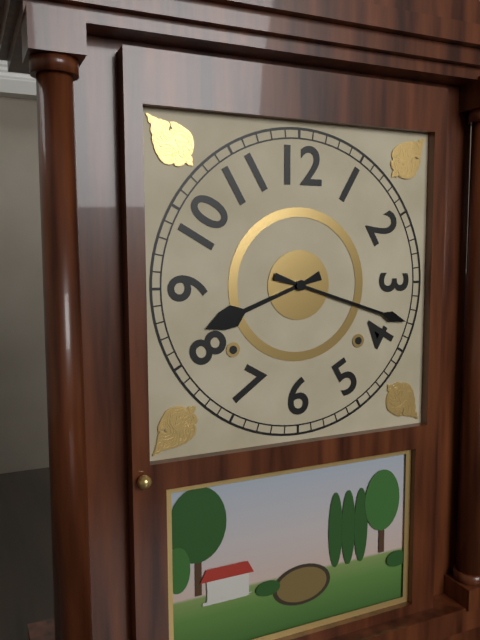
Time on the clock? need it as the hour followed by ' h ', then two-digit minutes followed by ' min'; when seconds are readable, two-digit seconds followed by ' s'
8 h 18 min
